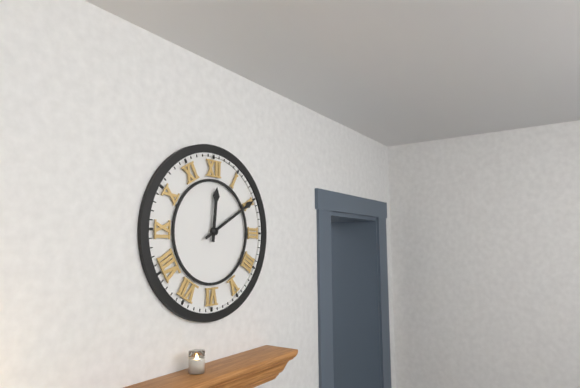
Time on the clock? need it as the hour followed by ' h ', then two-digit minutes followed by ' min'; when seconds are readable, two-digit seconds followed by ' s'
12 h 10 min
